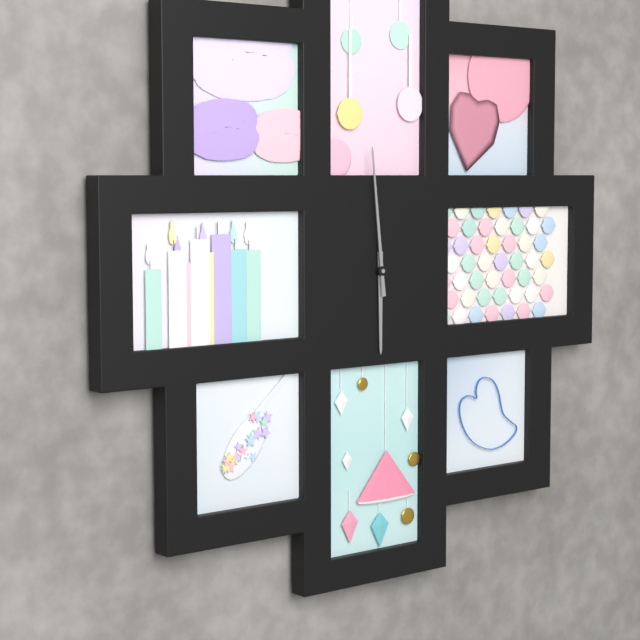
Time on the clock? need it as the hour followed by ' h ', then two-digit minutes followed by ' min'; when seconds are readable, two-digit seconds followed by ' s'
5 h 59 min
